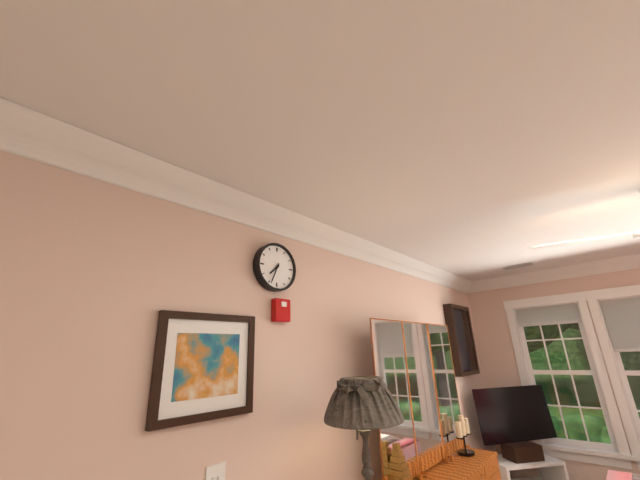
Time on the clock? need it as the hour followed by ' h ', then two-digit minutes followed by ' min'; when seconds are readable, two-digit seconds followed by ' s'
7 h 34 min
